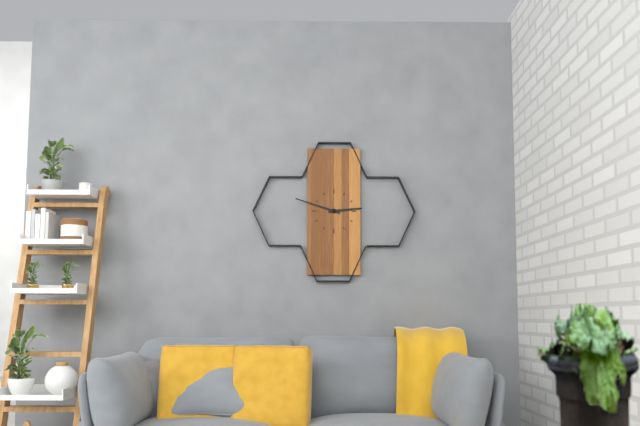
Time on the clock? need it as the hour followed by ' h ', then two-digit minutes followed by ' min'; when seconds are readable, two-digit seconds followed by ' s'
2 h 48 min
